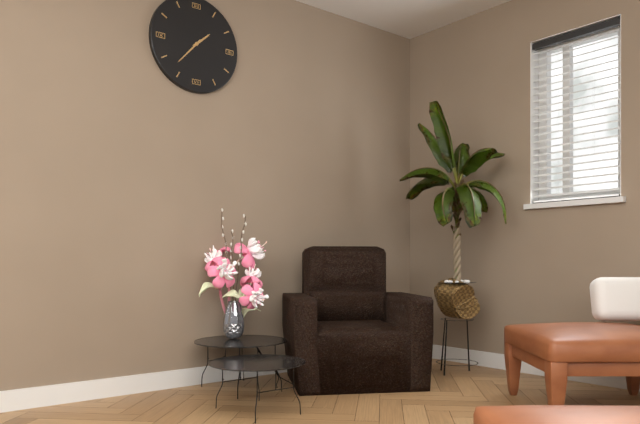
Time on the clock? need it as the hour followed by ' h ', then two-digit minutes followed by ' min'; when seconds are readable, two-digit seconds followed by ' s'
1 h 37 min
